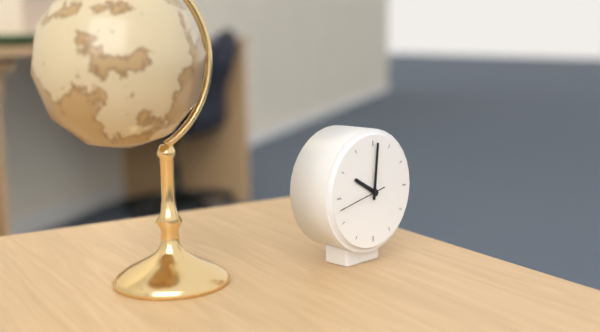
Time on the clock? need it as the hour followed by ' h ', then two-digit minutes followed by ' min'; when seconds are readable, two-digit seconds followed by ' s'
10 h 01 min
